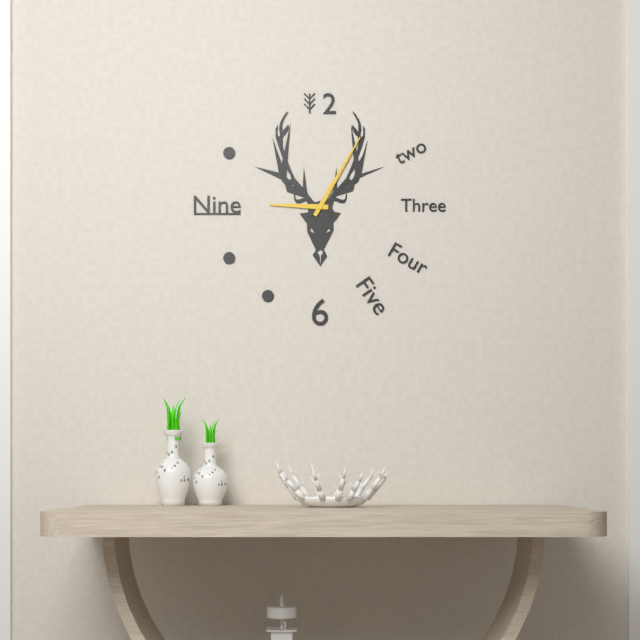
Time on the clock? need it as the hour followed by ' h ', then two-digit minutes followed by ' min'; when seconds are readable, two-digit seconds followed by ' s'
9 h 05 min
